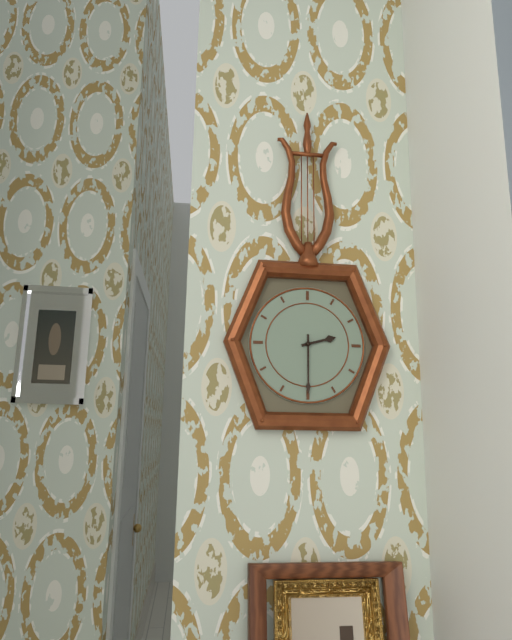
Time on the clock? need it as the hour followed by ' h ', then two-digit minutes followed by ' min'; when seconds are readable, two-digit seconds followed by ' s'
2 h 30 min
